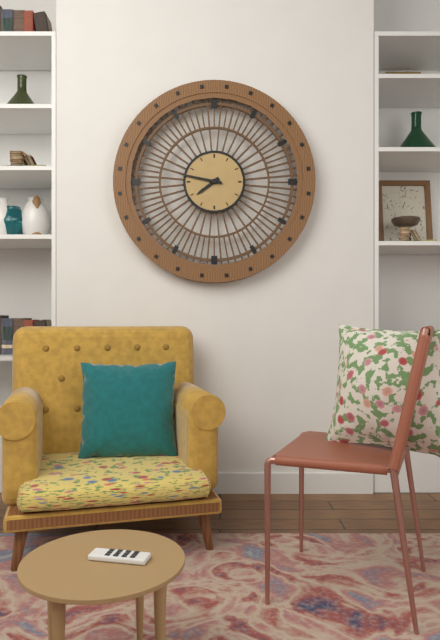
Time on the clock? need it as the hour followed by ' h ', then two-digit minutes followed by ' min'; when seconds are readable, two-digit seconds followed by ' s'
7 h 47 min
